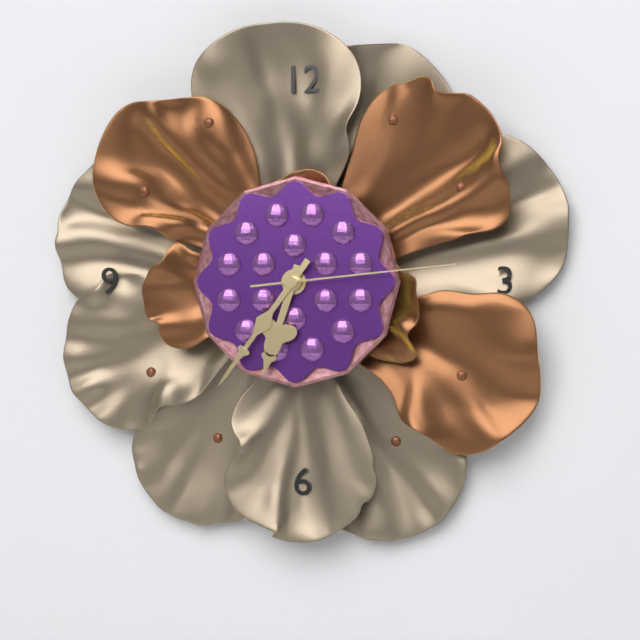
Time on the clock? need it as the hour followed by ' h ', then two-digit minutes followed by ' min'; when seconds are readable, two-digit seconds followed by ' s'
6 h 36 min 14 s
